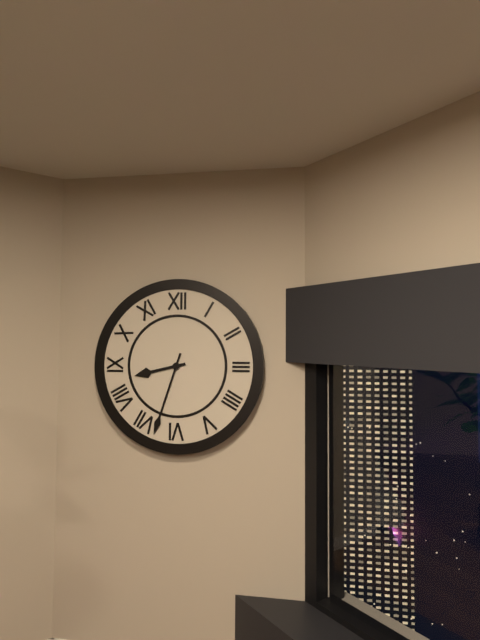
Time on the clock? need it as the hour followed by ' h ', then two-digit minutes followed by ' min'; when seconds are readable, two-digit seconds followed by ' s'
8 h 33 min
